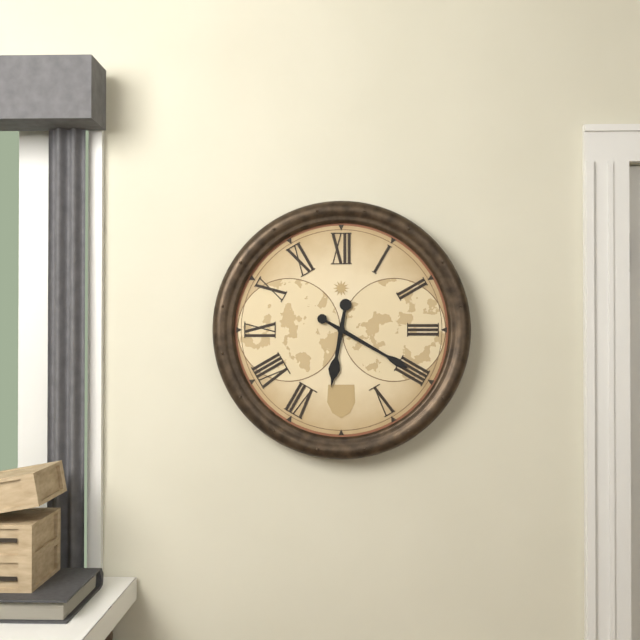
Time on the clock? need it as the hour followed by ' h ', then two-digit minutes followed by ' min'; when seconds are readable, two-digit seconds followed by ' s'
6 h 20 min
